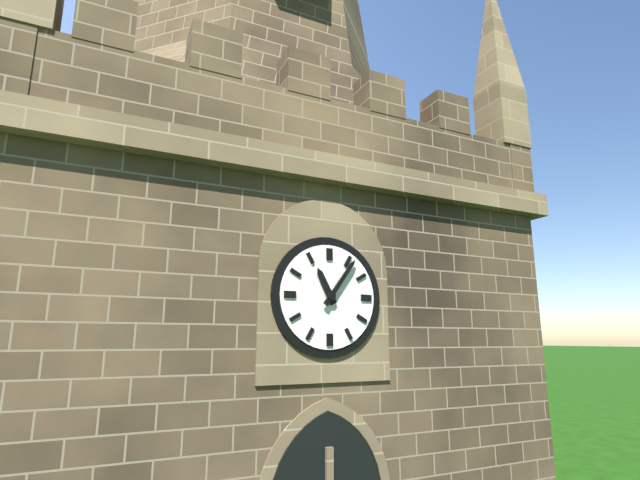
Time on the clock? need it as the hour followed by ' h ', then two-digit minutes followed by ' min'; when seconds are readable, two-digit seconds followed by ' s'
11 h 06 min
